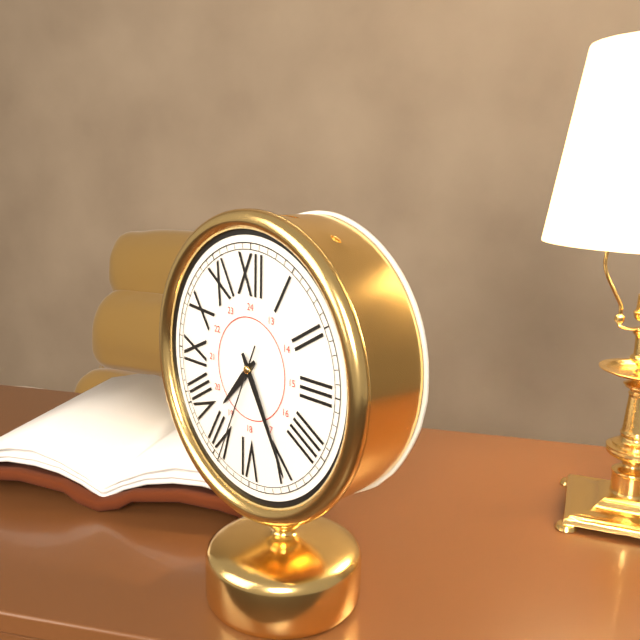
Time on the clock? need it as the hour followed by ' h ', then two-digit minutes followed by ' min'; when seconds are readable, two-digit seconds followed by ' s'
7 h 25 min 34 s
